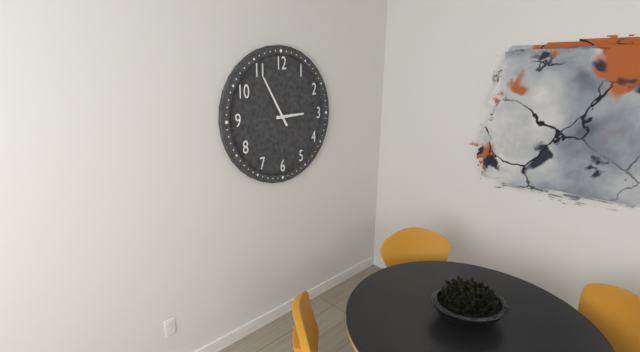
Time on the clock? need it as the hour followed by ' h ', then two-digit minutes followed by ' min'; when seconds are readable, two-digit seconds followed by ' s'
2 h 55 min
